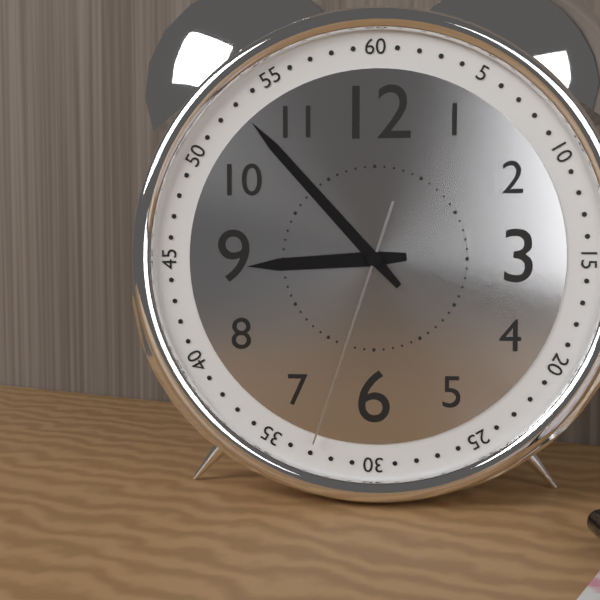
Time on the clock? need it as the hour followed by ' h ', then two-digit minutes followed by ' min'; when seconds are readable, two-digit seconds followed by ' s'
8 h 53 min 33 s
